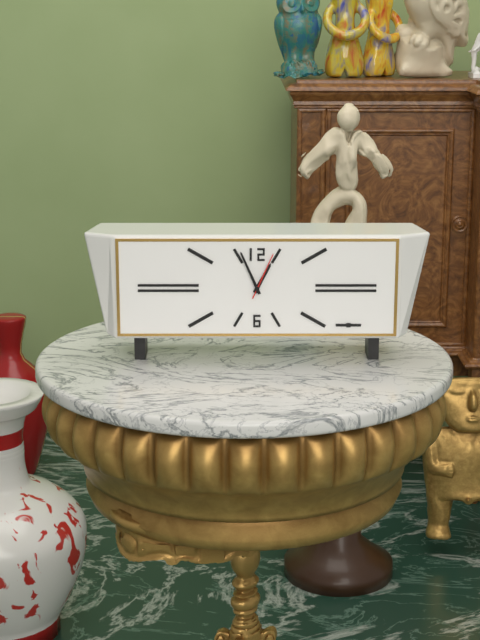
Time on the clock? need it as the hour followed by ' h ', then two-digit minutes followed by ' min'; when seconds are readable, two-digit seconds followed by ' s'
12 h 56 min
